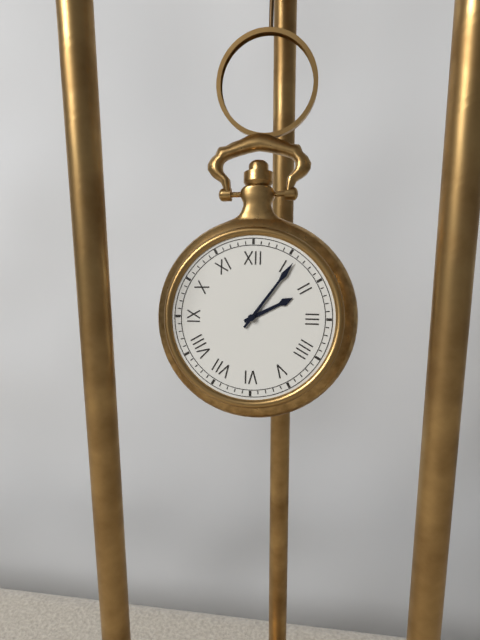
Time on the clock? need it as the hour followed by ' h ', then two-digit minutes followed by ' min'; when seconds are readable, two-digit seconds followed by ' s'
2 h 06 min
